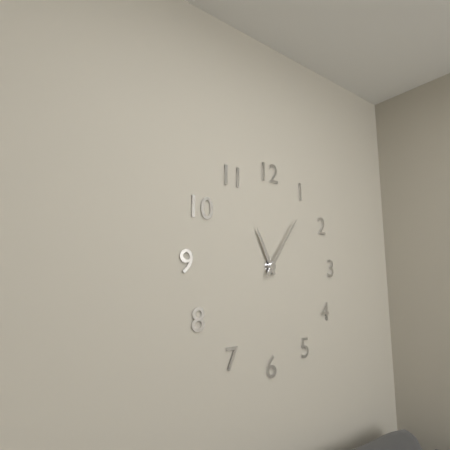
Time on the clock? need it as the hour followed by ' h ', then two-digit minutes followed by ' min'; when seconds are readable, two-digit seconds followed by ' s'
11 h 06 min
